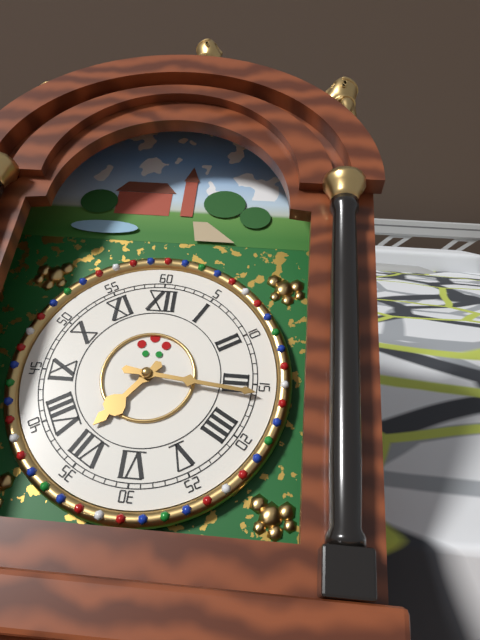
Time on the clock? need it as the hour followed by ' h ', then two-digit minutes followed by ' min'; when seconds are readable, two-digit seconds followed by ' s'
7 h 16 min
